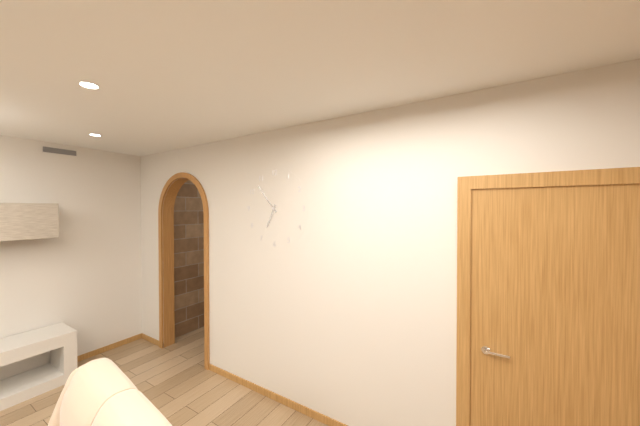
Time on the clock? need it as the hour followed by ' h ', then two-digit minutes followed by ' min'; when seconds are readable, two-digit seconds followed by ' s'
6 h 53 min
